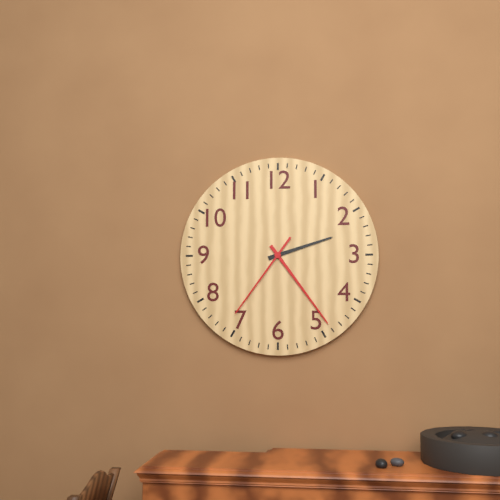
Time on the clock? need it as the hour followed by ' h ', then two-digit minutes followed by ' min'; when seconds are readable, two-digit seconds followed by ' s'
2 h 24 min 36 s
